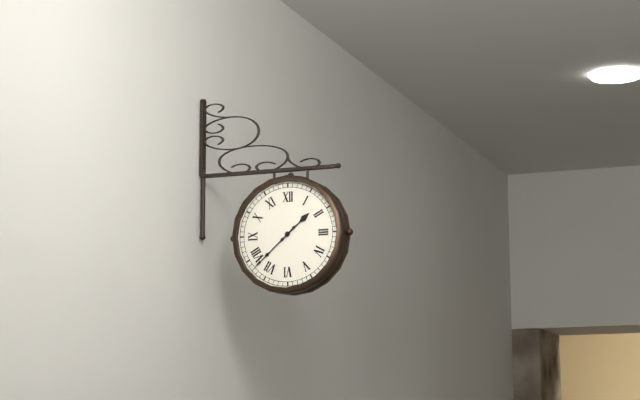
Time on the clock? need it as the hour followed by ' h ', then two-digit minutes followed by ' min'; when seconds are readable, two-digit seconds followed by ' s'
1 h 38 min
